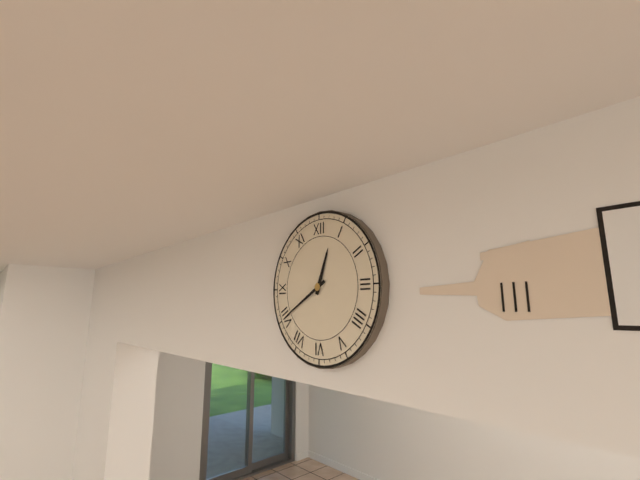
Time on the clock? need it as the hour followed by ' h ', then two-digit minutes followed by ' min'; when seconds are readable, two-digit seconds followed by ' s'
12 h 40 min
